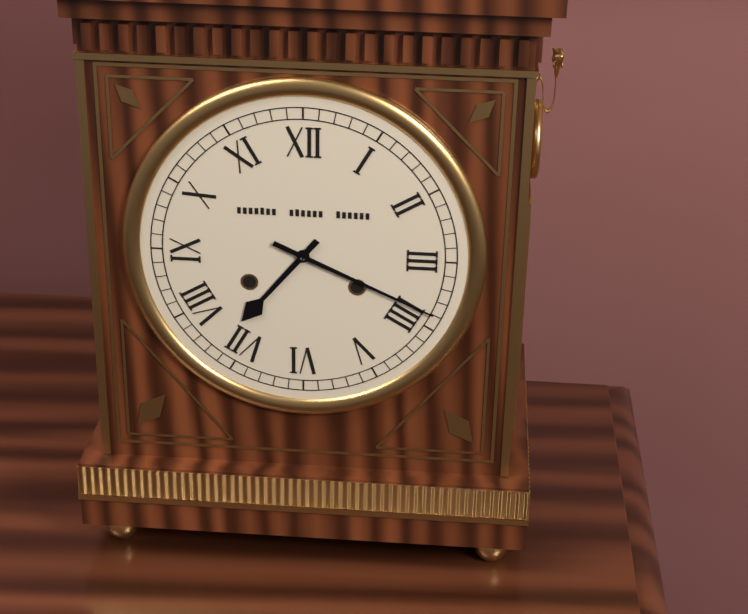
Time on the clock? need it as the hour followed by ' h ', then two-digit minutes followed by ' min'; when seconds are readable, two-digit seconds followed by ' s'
7 h 19 min
